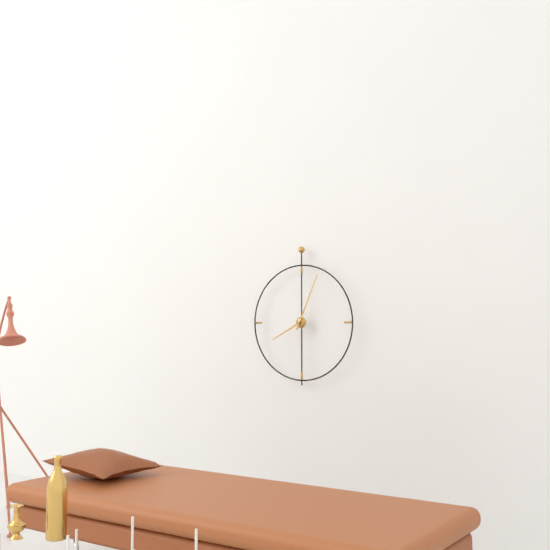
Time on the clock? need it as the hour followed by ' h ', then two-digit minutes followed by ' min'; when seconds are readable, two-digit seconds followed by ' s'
8 h 04 min
